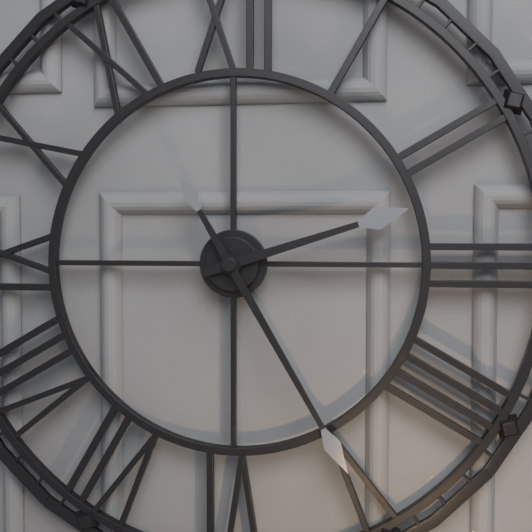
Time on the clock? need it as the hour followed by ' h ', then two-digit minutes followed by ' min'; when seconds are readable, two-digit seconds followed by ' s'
2 h 25 min
